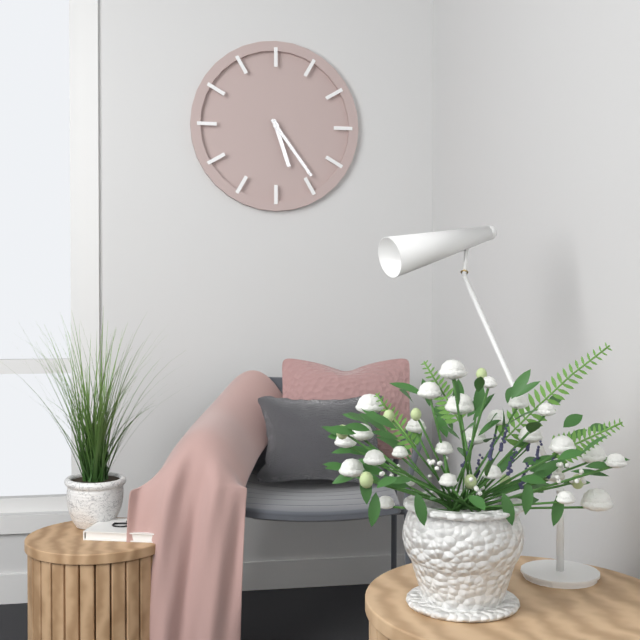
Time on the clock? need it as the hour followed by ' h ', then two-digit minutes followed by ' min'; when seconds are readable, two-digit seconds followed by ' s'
5 h 24 min
